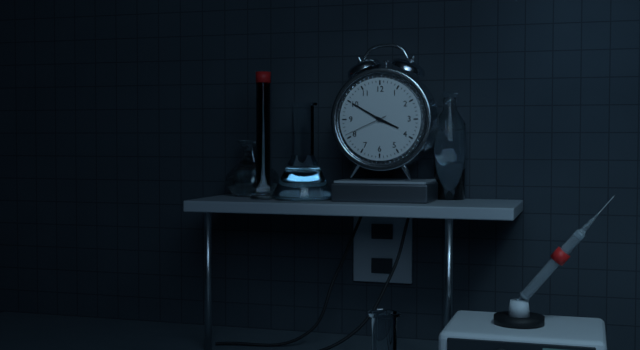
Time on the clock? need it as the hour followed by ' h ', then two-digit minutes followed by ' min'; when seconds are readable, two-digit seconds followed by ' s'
3 h 50 min
